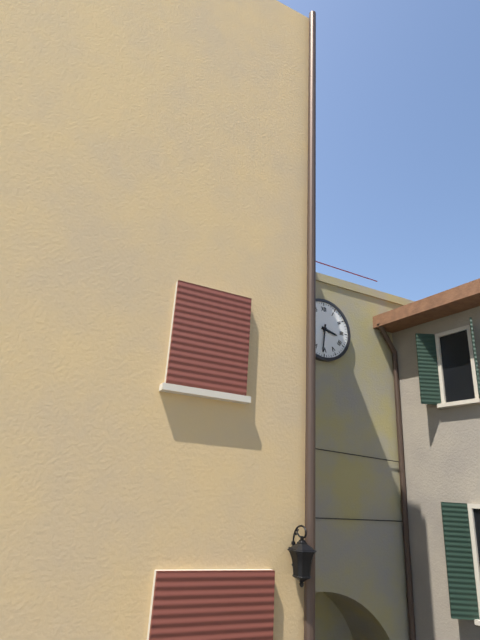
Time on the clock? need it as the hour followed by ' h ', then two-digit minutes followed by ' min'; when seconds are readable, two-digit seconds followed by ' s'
3 h 31 min
